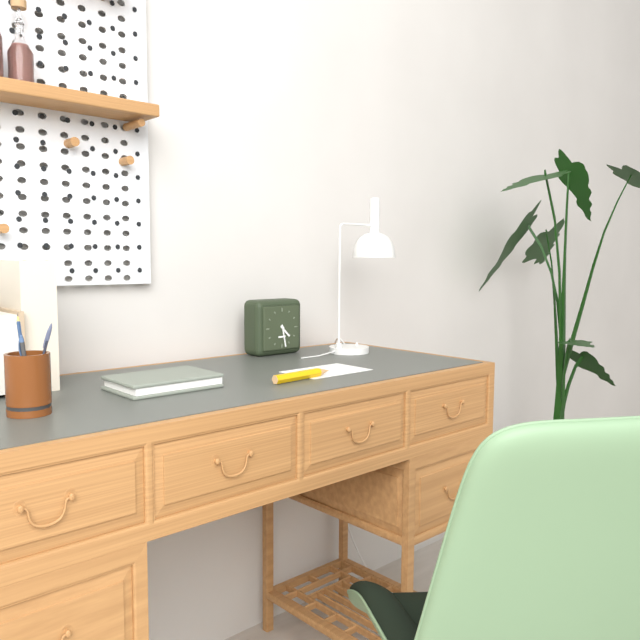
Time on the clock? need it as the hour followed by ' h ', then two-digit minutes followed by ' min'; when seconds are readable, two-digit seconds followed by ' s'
4 h 28 min
